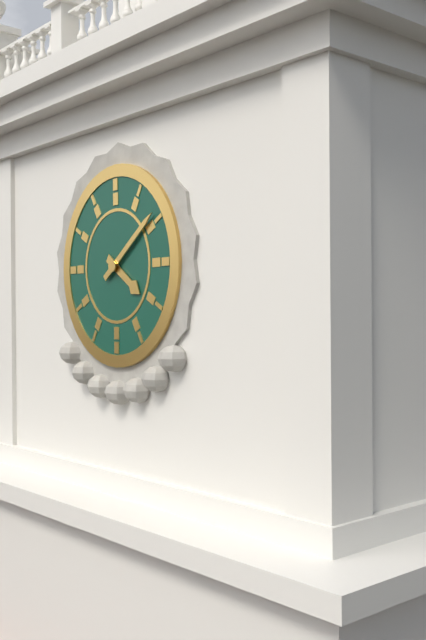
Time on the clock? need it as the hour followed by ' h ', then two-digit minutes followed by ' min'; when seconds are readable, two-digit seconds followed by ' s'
4 h 09 min
